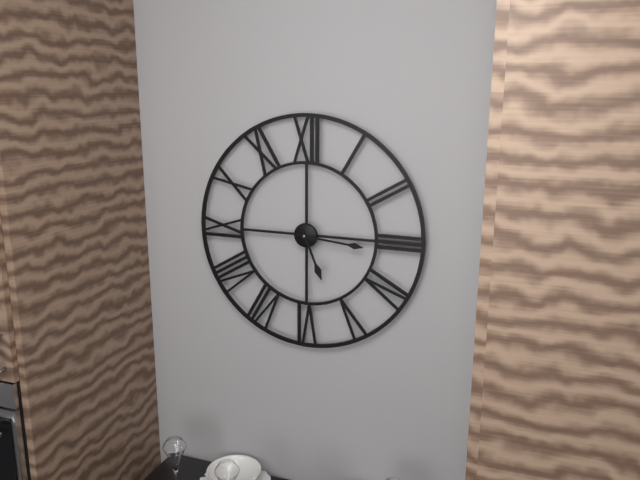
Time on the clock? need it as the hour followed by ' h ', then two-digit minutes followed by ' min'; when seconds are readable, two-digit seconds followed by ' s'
5 h 16 min
